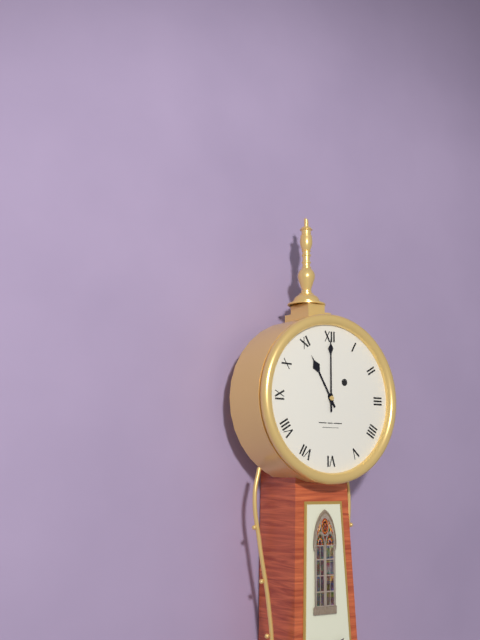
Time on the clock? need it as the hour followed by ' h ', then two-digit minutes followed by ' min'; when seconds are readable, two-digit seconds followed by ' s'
11 h 00 min
